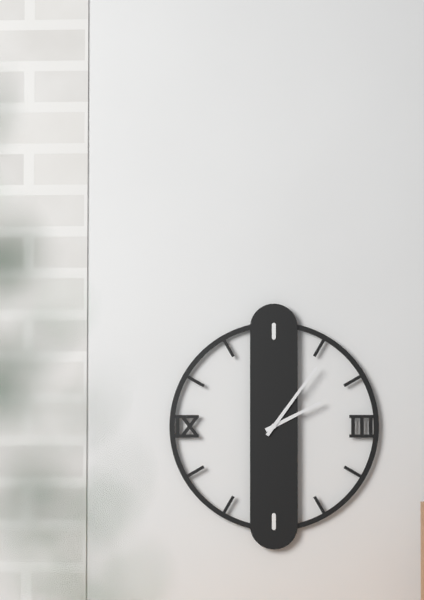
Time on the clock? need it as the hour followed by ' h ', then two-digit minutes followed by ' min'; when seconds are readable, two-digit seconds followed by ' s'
2 h 06 min
